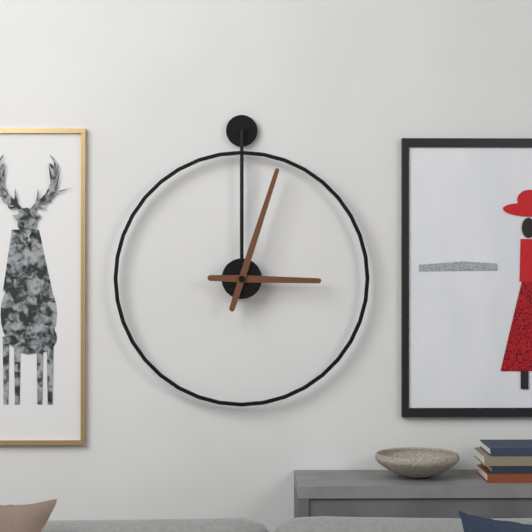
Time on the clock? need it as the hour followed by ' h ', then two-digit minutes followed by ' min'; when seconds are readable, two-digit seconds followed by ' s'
3 h 03 min
